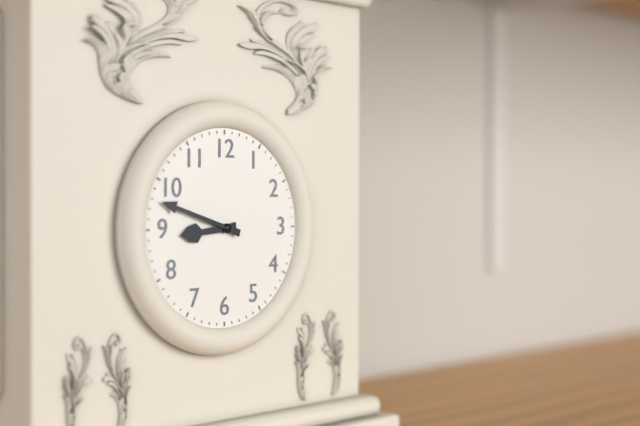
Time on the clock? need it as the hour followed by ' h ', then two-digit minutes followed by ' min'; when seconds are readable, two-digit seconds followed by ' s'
8 h 48 min
